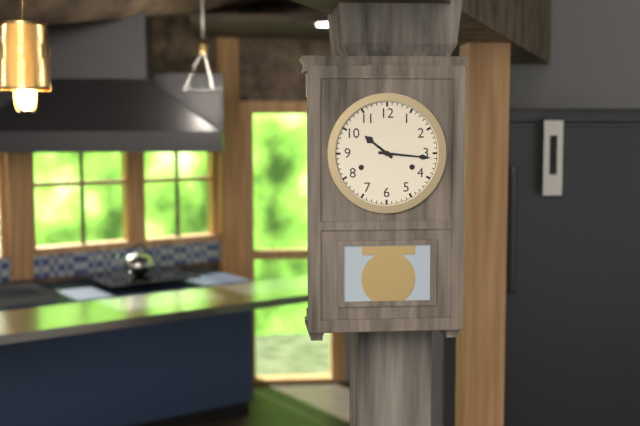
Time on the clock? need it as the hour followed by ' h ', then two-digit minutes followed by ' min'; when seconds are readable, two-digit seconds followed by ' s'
10 h 16 min
